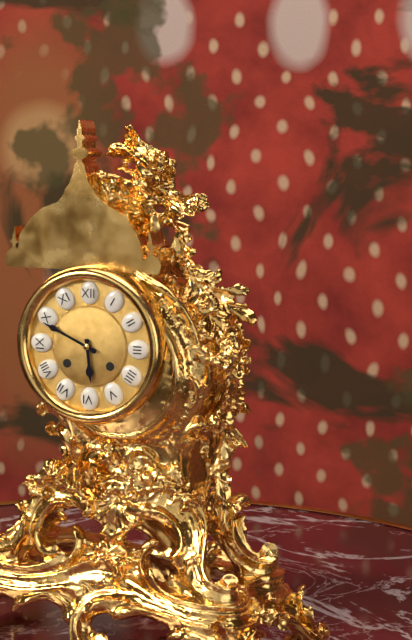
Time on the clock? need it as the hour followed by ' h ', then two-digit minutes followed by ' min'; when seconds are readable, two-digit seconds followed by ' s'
5 h 49 min
